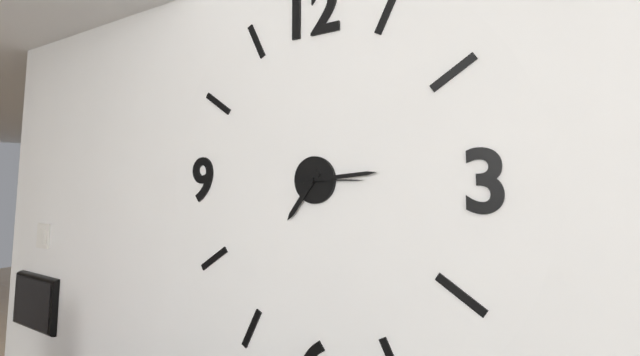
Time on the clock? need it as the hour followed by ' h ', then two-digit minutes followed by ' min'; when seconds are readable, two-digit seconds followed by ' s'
7 h 14 min 15 s
